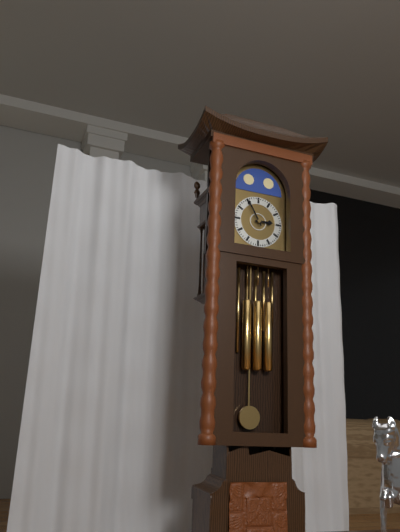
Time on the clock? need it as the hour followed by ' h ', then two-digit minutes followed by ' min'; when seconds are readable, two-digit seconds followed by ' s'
2 h 55 min
